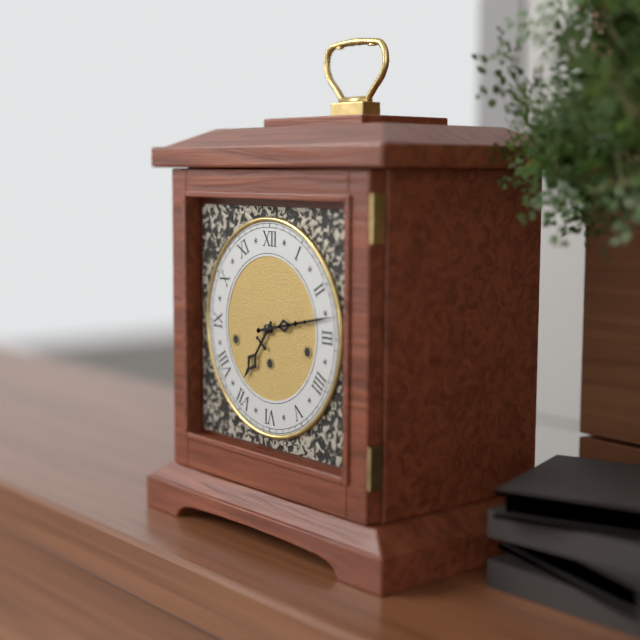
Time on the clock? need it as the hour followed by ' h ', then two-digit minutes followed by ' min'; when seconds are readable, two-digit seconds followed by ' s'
7 h 13 min
